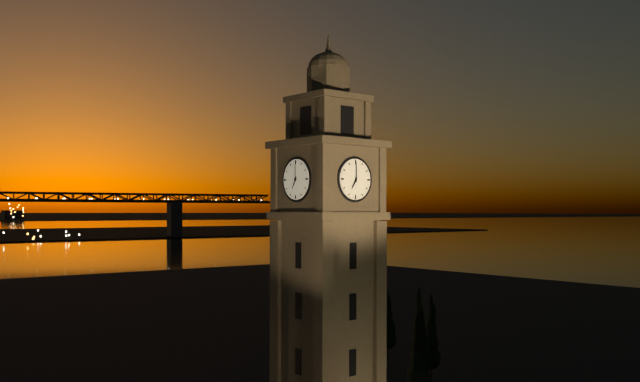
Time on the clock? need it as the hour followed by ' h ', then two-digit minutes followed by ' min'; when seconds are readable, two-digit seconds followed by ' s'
7 h 00 min
